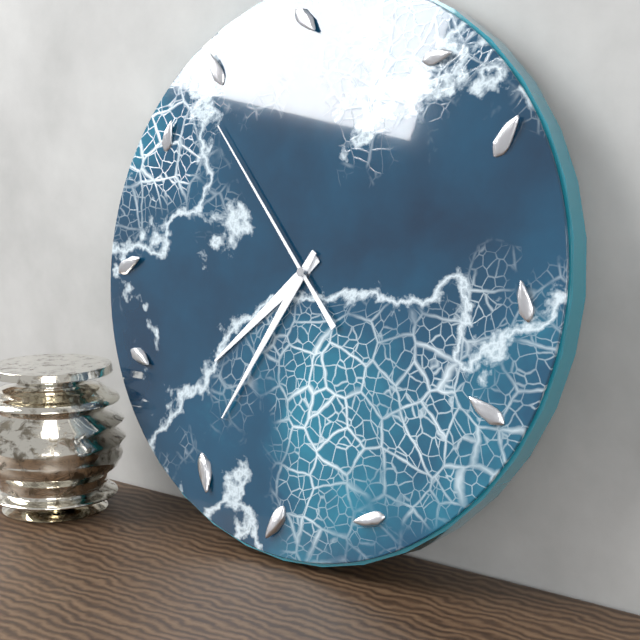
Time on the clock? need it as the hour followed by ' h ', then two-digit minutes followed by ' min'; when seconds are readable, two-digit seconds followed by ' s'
7 h 35 min 53 s
